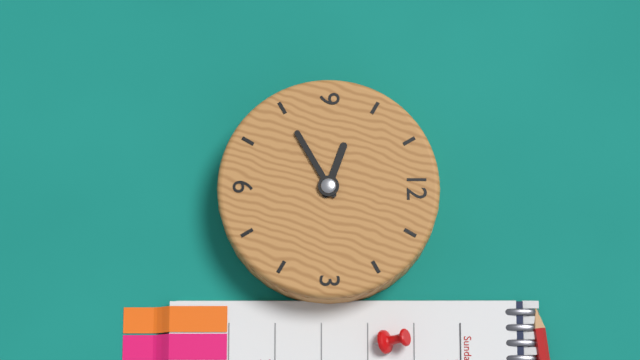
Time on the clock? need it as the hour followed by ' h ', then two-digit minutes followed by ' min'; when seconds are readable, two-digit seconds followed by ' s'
9 h 40 min
